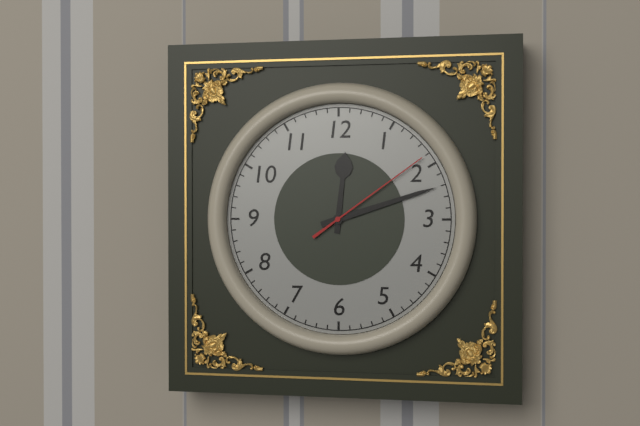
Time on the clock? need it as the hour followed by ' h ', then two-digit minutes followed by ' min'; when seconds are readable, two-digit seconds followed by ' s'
12 h 12 min 09 s
